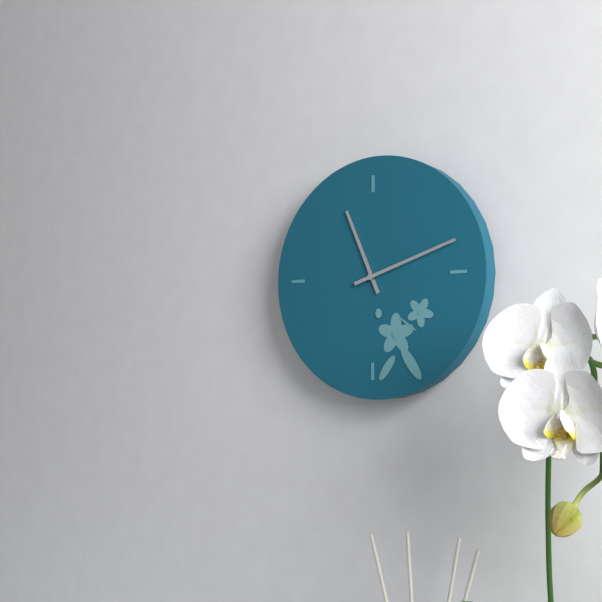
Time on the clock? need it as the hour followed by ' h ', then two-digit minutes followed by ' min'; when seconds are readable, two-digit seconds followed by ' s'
11 h 12 min
